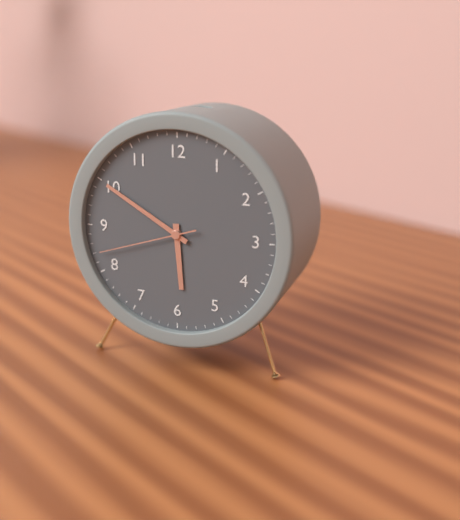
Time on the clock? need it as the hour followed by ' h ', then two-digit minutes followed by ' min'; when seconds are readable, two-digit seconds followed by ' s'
5 h 50 min 42 s
